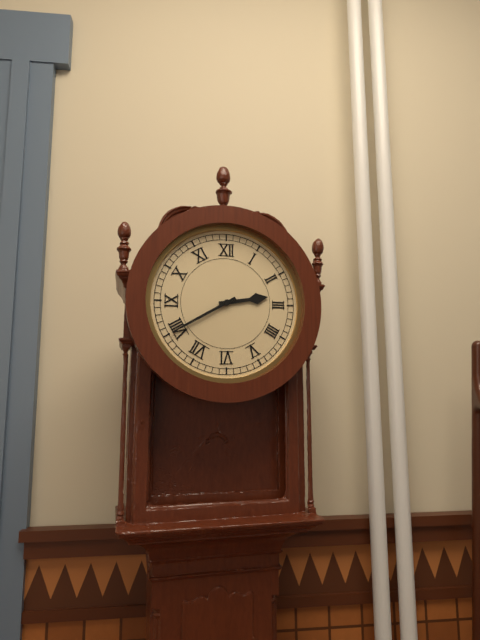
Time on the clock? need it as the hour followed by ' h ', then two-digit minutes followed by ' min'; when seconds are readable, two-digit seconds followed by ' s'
2 h 40 min
